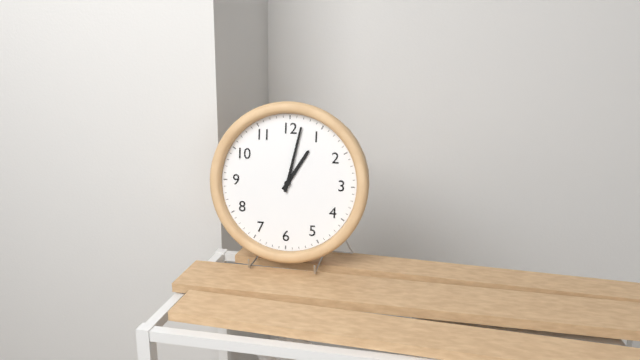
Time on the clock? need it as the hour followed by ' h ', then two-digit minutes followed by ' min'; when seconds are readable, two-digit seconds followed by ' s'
1 h 02 min
